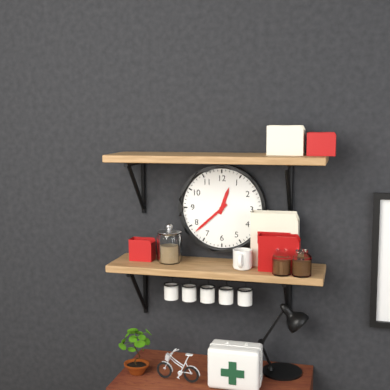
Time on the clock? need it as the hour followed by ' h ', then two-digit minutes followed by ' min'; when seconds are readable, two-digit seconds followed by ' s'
12 h 38 min
